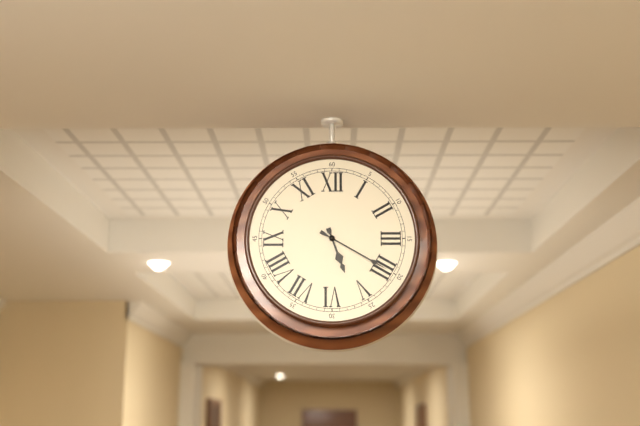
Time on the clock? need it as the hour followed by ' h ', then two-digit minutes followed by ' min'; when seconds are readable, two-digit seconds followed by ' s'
5 h 20 min
